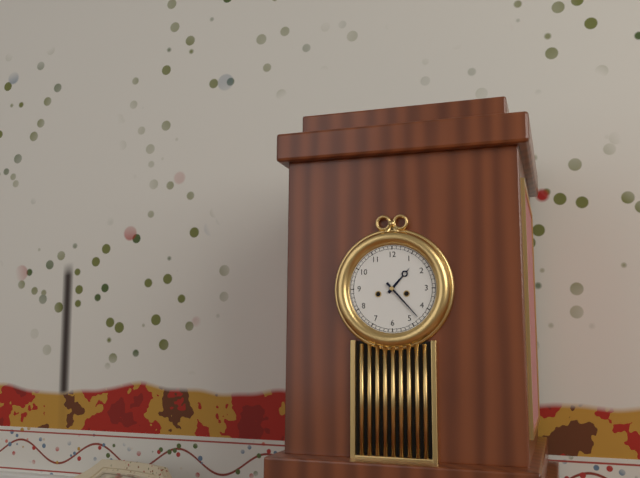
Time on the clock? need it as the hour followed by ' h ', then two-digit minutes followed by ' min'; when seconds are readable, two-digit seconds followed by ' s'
1 h 23 min
